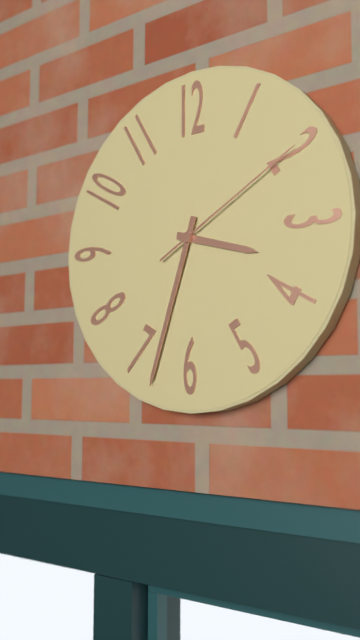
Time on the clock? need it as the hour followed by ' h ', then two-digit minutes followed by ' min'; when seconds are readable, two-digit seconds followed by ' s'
3 h 33 min 10 s
